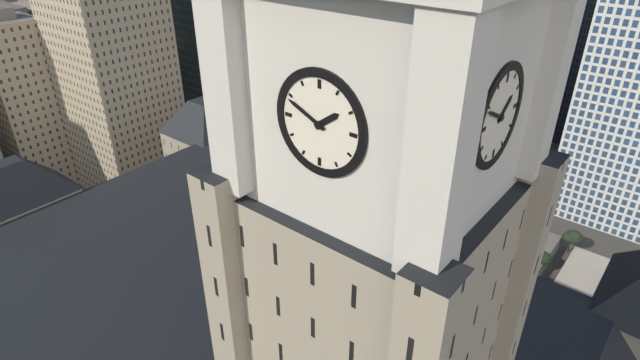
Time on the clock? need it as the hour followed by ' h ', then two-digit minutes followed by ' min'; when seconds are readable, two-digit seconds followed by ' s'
1 h 49 min
